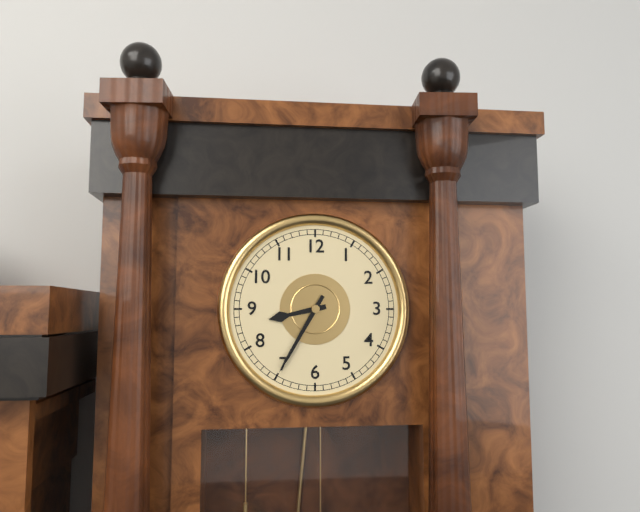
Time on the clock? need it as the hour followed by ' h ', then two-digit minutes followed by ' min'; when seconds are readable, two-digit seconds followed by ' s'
8 h 35 min
